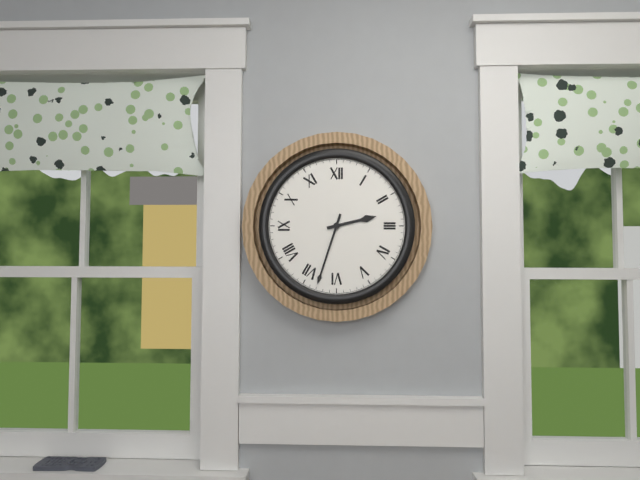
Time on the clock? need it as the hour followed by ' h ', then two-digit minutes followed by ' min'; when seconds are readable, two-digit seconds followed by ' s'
2 h 33 min
